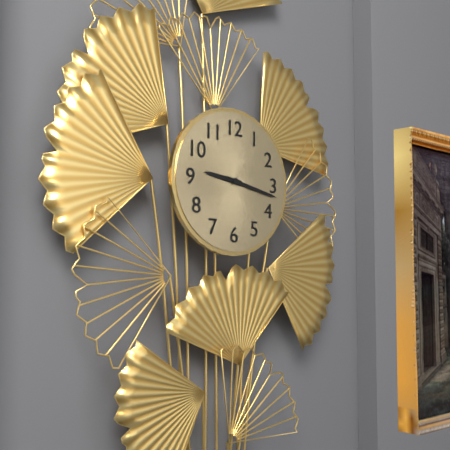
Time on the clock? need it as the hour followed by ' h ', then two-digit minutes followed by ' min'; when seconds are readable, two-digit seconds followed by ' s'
9 h 17 min
